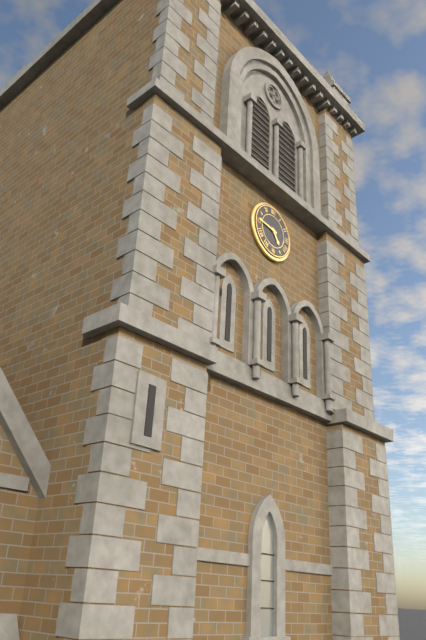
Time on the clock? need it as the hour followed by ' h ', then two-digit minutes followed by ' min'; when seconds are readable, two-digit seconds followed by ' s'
4 h 46 min
